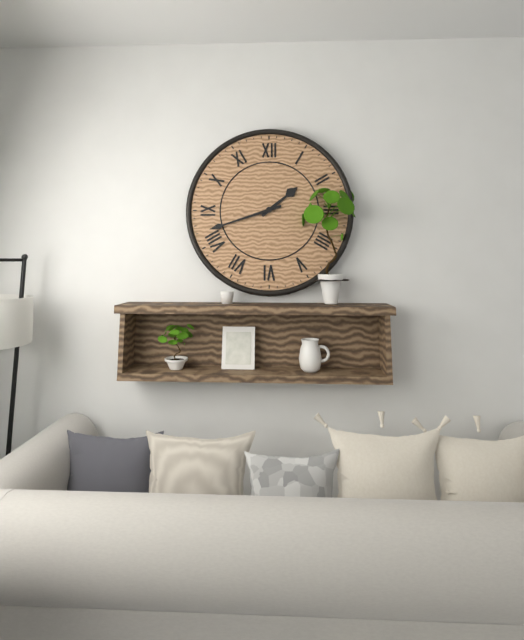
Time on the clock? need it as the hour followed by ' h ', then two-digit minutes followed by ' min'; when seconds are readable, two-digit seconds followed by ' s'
1 h 42 min
